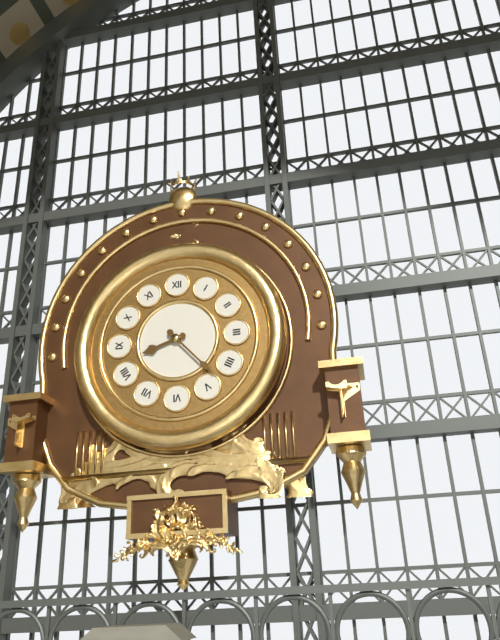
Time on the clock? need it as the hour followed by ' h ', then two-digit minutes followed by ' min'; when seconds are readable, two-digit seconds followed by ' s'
8 h 23 min
